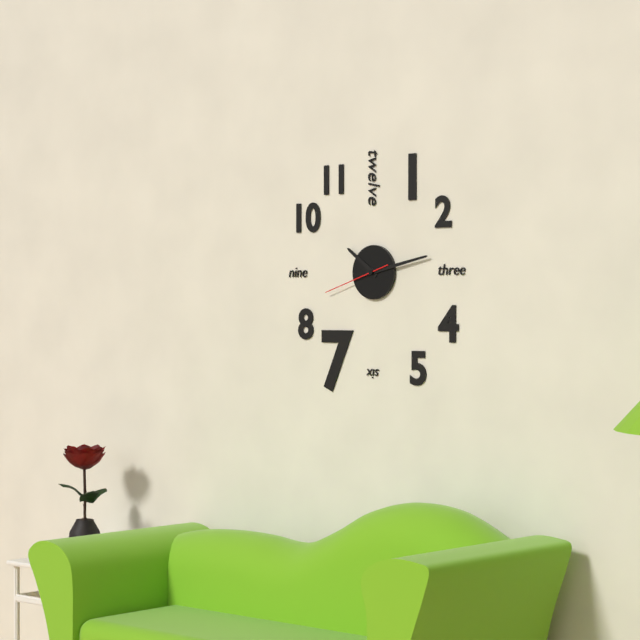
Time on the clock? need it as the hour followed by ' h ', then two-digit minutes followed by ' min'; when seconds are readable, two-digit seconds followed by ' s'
10 h 13 min 42 s
